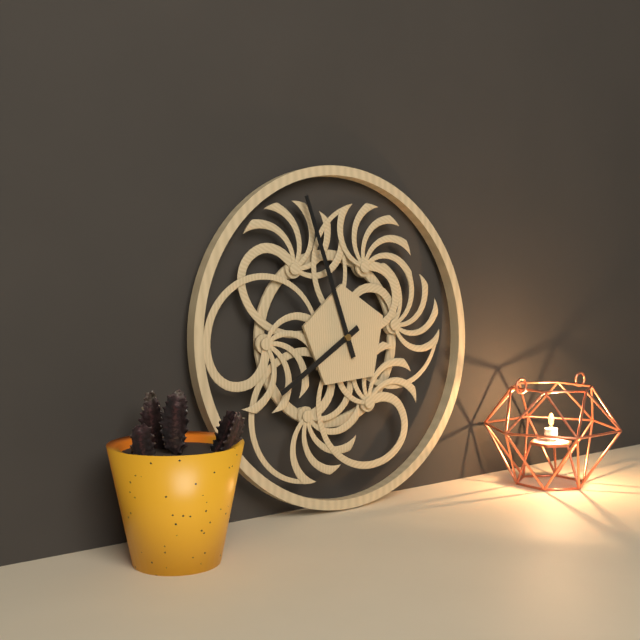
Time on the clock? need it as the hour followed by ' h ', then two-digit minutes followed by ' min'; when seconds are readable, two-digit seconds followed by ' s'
7 h 57 min
